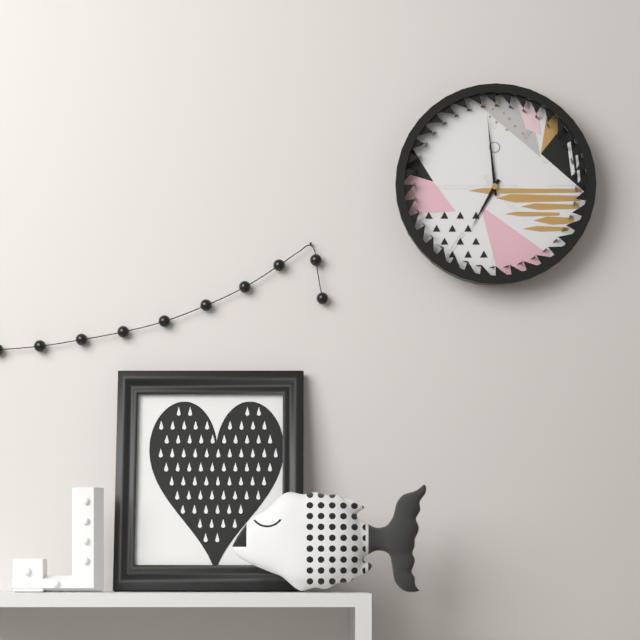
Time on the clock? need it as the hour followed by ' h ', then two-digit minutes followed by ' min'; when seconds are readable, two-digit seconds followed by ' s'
6 h 59 min
